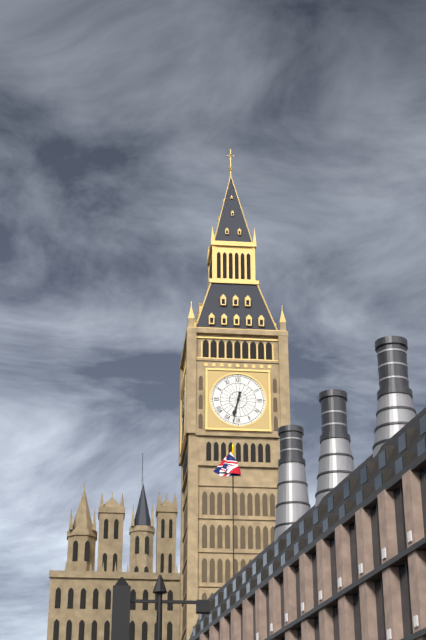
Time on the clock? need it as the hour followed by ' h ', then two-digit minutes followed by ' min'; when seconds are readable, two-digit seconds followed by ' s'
6 h 32 min
